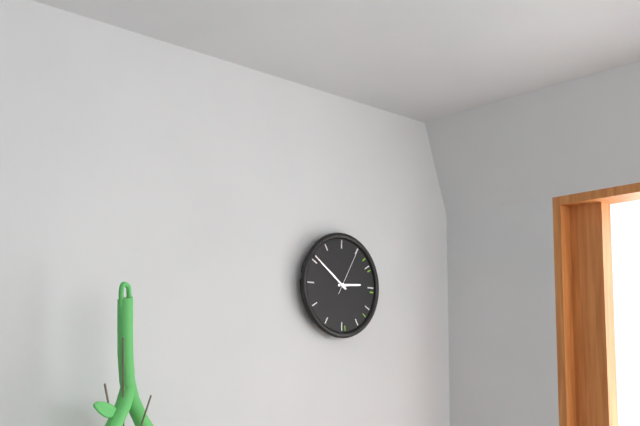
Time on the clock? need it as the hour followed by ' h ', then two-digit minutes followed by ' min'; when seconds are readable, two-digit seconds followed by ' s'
2 h 51 min 05 s
